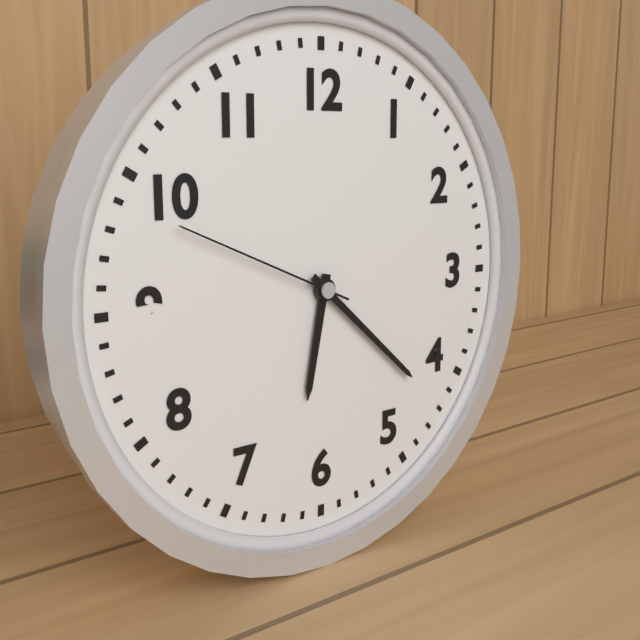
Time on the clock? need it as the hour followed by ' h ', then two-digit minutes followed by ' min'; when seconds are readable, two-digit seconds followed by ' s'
6 h 22 min 49 s
